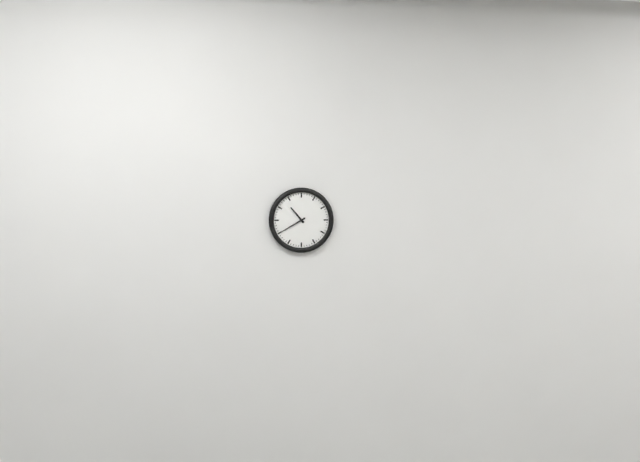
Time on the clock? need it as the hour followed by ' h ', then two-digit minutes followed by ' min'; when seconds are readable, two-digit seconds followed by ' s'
10 h 40 min
